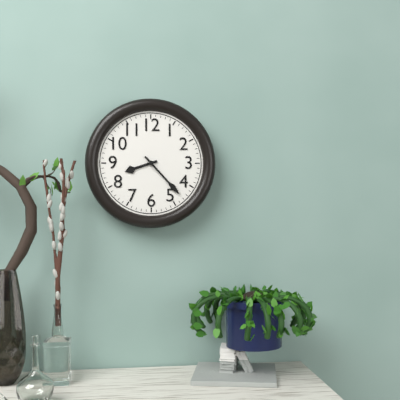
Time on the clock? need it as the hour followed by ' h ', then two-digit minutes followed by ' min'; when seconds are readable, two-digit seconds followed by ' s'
8 h 23 min
